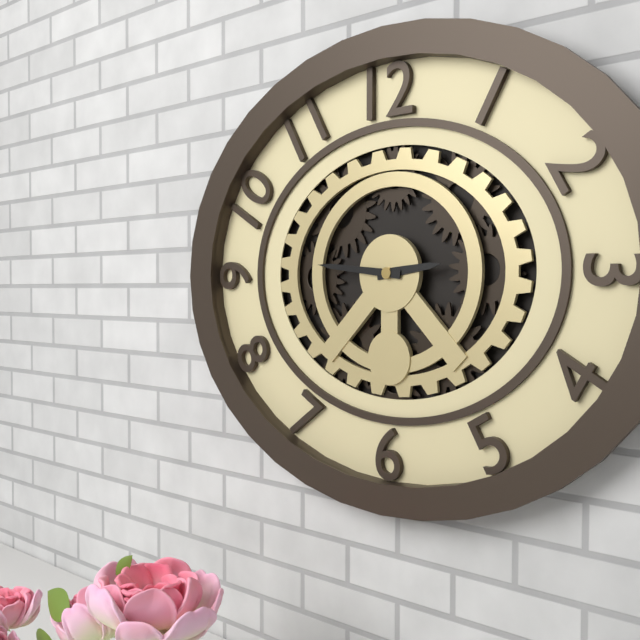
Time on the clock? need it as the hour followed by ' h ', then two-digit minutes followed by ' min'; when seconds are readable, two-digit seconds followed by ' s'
2 h 46 min
